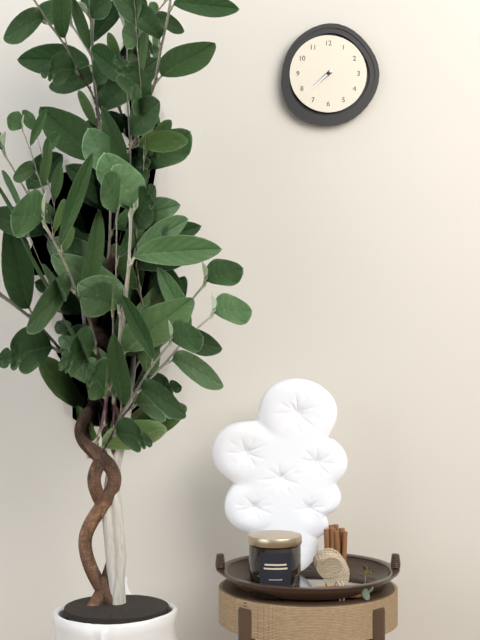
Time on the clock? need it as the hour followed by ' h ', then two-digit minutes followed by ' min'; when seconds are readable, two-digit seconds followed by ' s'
7 h 38 min
